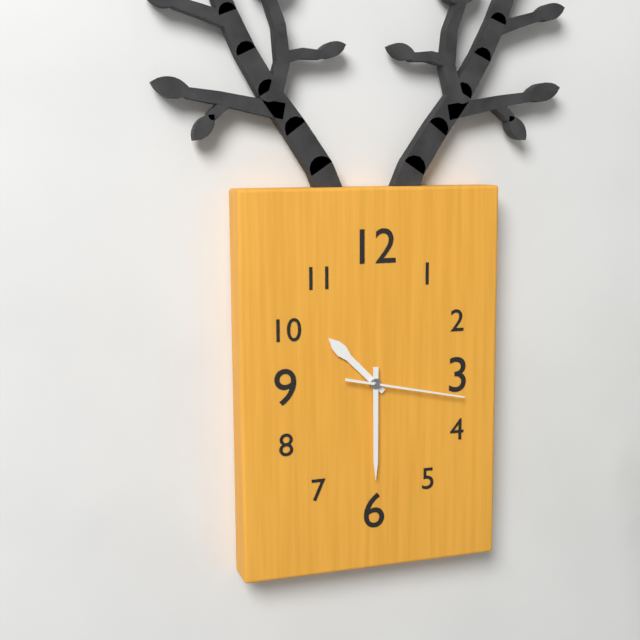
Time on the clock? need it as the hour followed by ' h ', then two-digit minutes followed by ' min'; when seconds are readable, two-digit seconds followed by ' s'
10 h 30 min 17 s
